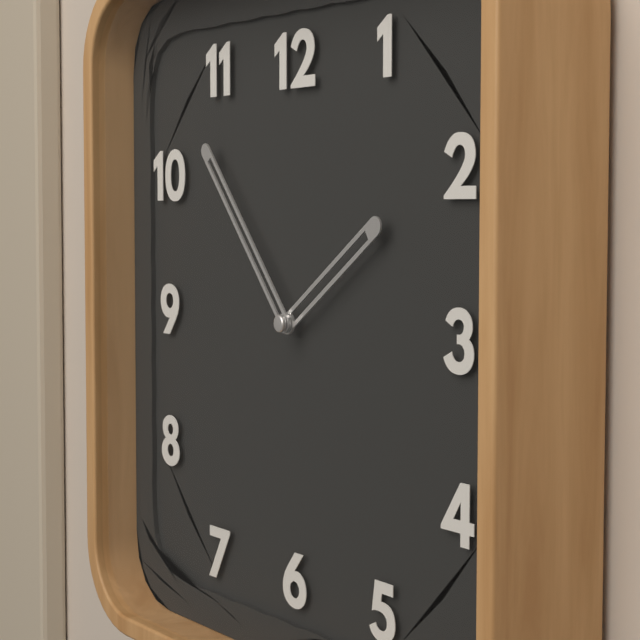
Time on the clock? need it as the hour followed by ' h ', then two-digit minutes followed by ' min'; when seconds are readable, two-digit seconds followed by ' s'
1 h 53 min
